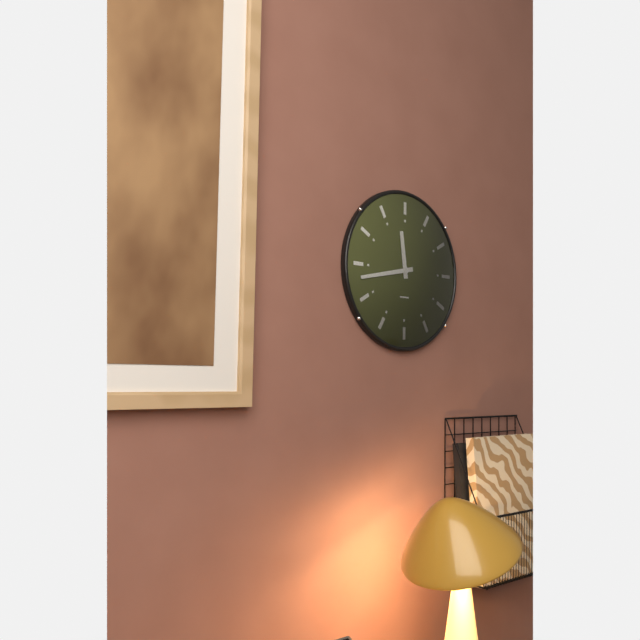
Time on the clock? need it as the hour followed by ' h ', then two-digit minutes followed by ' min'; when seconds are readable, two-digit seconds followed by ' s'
11 h 43 min
